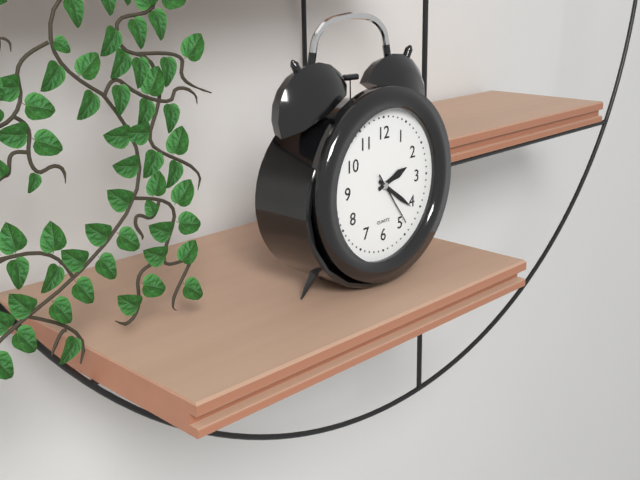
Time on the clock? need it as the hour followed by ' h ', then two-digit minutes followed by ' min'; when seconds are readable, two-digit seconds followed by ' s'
2 h 21 min 24 s
